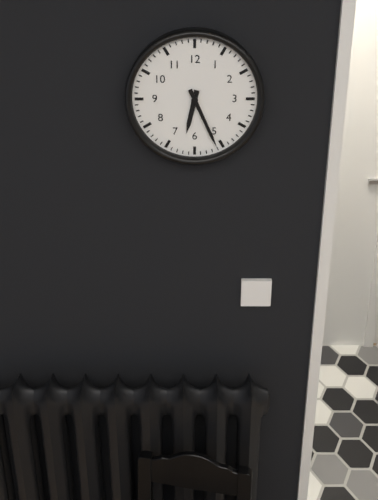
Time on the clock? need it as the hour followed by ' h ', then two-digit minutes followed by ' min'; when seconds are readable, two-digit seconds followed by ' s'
6 h 26 min
